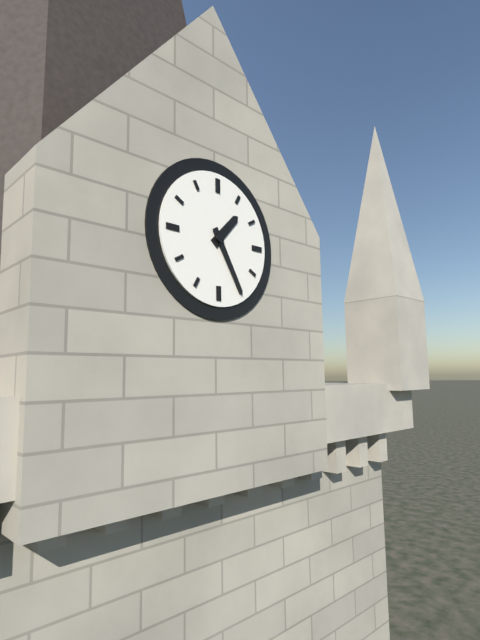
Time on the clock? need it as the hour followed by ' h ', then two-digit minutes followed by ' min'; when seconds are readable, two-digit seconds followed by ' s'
1 h 25 min
